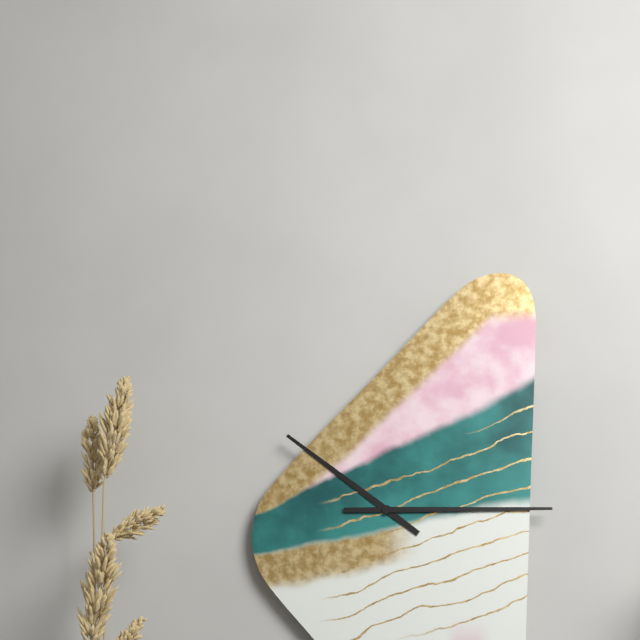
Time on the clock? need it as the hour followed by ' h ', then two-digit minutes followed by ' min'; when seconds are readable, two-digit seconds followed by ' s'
10 h 15 min
